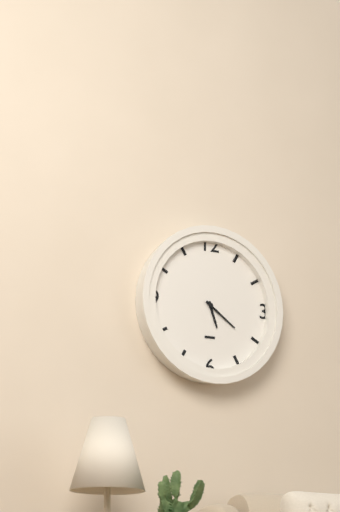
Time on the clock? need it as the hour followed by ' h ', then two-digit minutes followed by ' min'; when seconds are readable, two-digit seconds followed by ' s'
5 h 21 min
